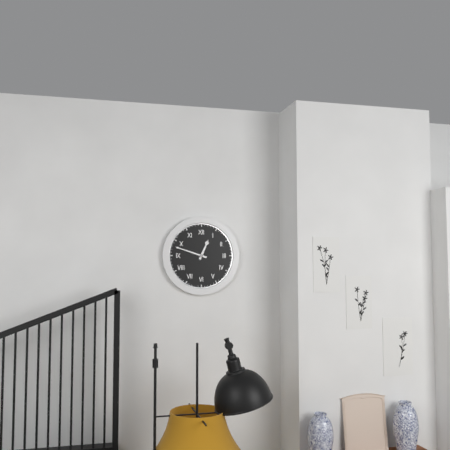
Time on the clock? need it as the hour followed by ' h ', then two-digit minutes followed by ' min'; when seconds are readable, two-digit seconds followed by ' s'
12 h 48 min
